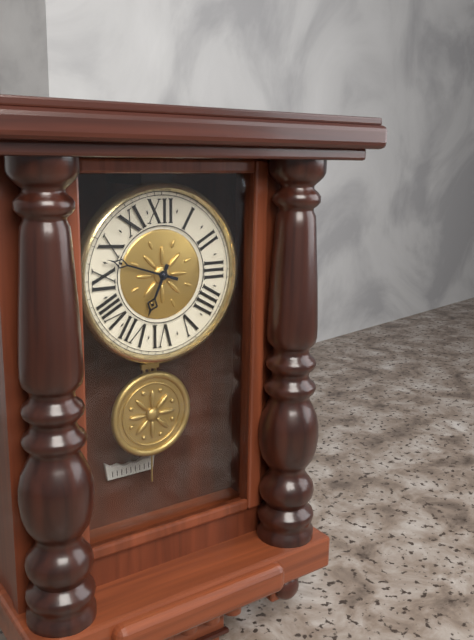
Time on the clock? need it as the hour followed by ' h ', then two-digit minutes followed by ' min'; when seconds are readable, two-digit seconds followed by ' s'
6 h 48 min
